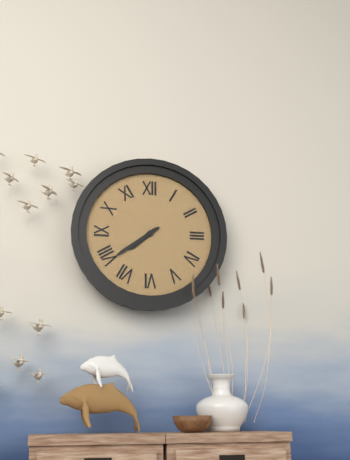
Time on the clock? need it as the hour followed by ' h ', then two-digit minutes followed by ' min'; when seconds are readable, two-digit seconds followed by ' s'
7 h 39 min
